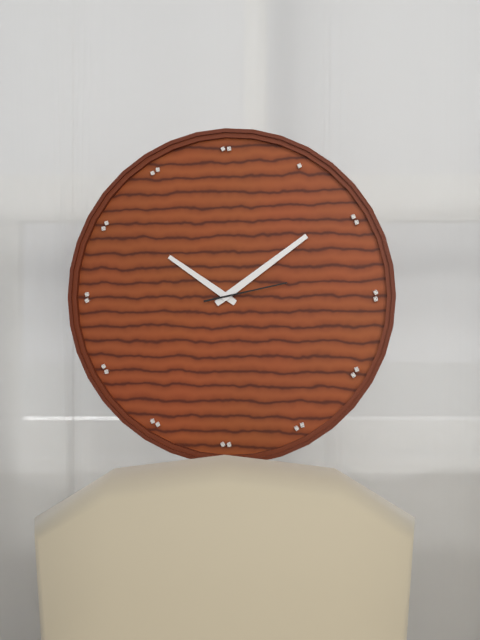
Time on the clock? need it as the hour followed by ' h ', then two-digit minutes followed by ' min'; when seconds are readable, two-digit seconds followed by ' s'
10 h 09 min 13 s
